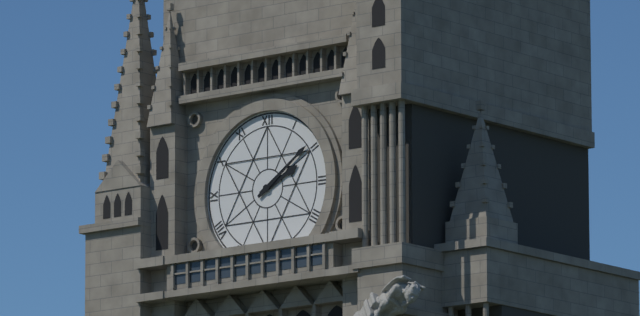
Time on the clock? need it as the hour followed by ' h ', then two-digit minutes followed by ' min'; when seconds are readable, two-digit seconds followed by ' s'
2 h 09 min
